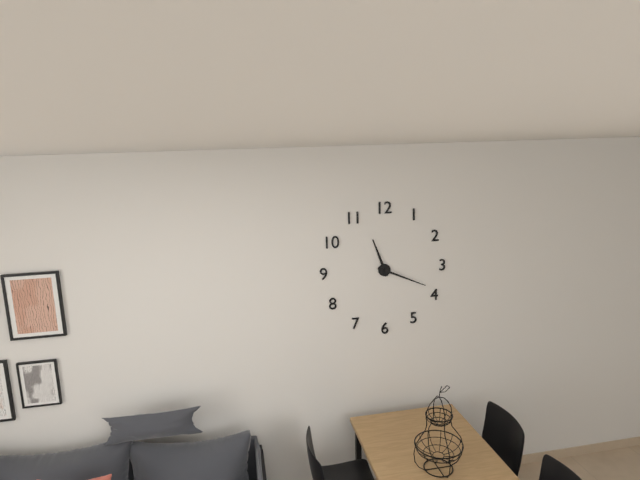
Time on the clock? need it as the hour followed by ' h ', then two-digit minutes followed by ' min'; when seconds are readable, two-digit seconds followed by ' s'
11 h 19 min
